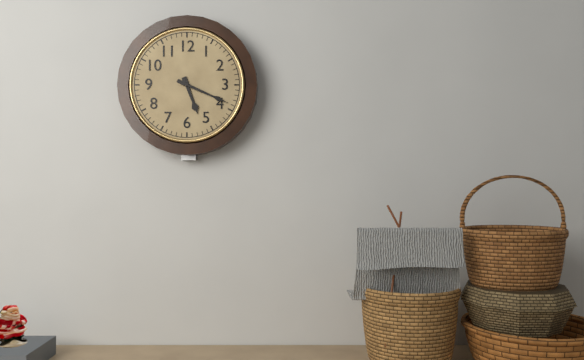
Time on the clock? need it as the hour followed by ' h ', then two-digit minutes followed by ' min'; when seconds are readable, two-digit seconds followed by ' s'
5 h 19 min
